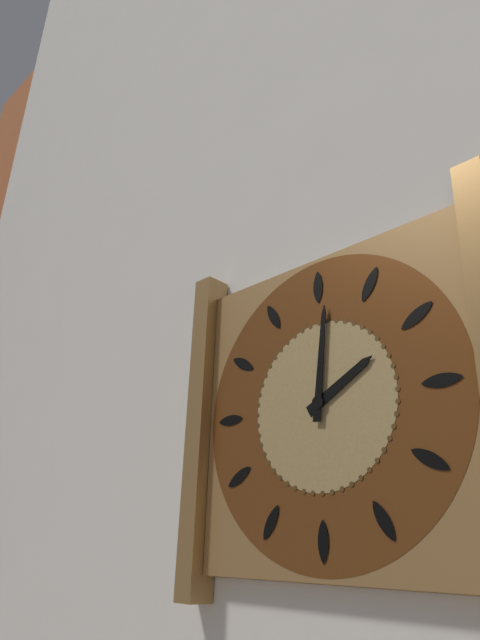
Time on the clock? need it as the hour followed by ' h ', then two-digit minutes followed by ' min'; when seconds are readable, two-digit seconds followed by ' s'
2 h 01 min
